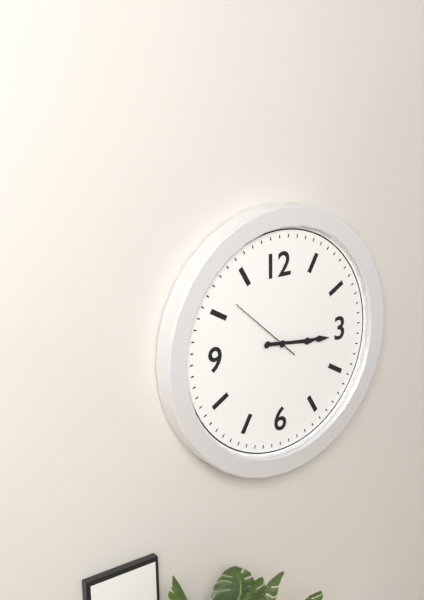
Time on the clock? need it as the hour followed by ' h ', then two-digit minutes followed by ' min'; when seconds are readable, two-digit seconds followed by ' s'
3 h 16 min 52 s
